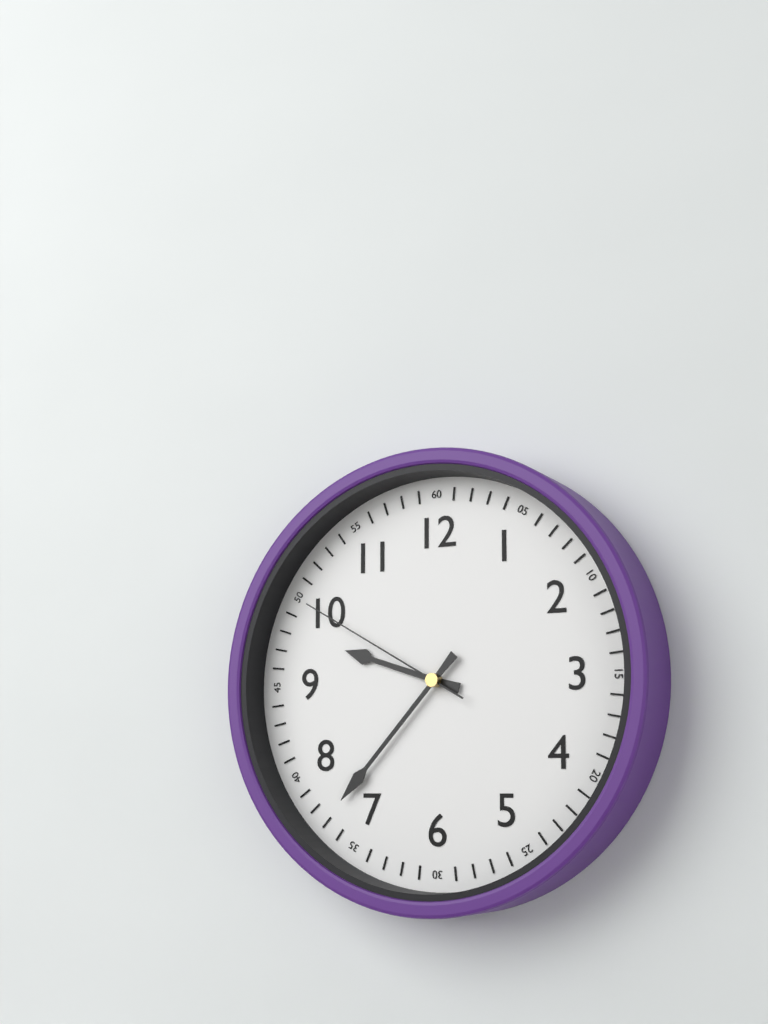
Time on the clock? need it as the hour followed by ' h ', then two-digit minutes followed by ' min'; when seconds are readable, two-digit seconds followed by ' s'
9 h 37 min 50 s
